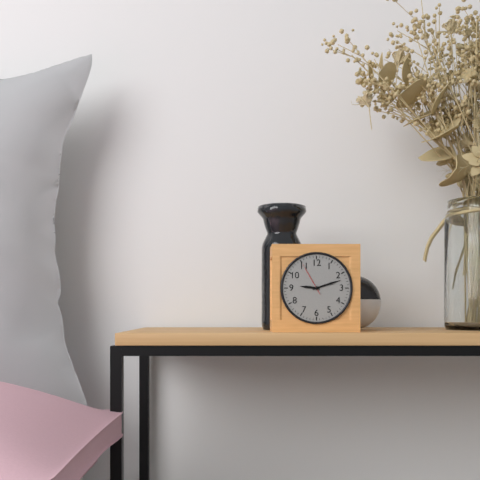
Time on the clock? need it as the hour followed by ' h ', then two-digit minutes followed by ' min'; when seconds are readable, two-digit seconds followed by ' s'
9 h 12 min
